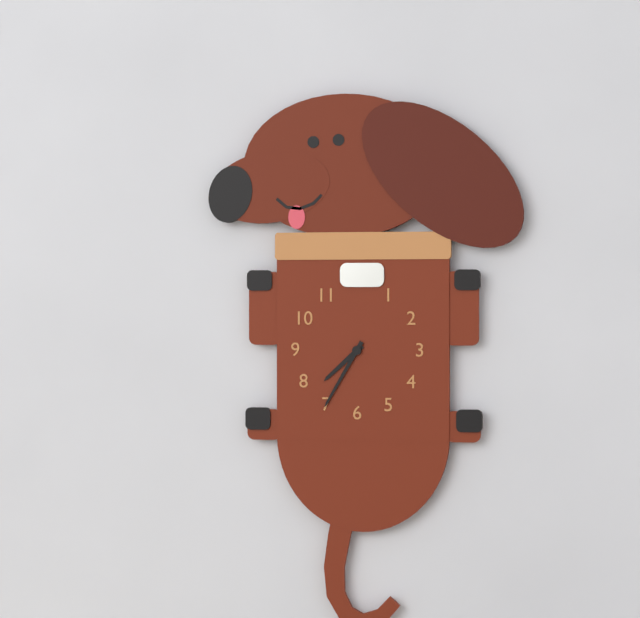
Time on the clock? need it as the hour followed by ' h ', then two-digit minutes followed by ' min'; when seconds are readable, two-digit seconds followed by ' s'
7 h 35 min
